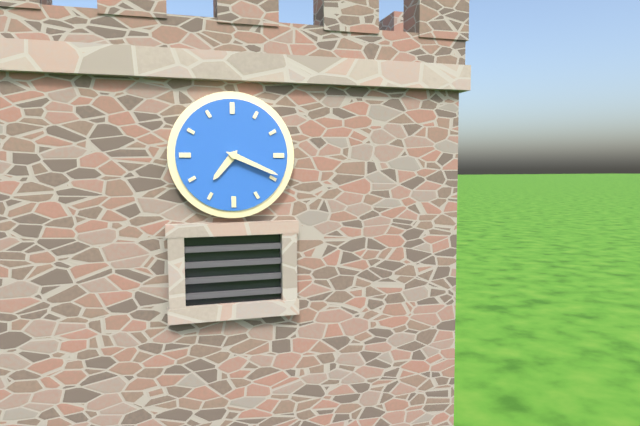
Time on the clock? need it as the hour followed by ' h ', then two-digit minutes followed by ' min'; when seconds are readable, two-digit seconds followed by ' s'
7 h 19 min
